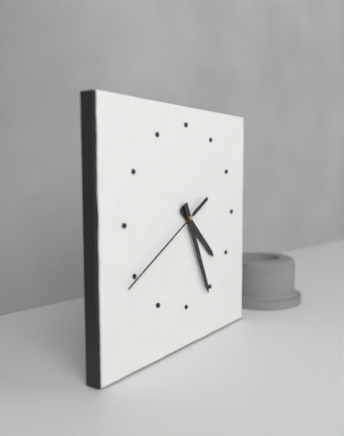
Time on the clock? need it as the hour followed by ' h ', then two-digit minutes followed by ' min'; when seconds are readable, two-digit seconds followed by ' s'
4 h 26 min 40 s
